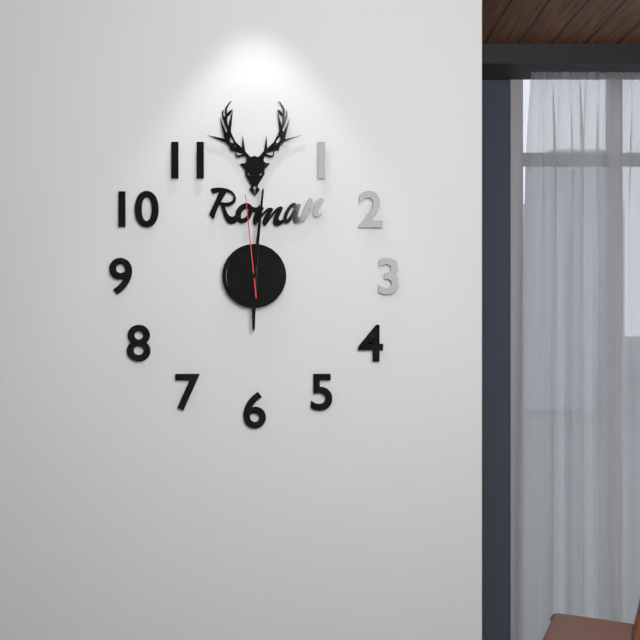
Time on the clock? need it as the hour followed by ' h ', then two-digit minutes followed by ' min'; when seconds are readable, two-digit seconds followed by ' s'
6 h 01 min 59 s
